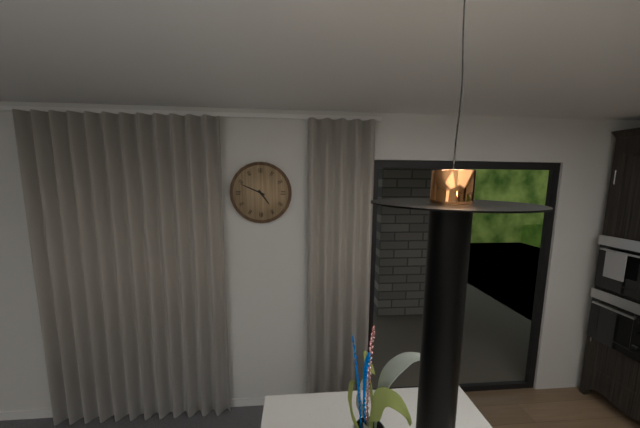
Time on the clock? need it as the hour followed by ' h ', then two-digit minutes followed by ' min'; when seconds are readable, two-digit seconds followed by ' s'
4 h 49 min
